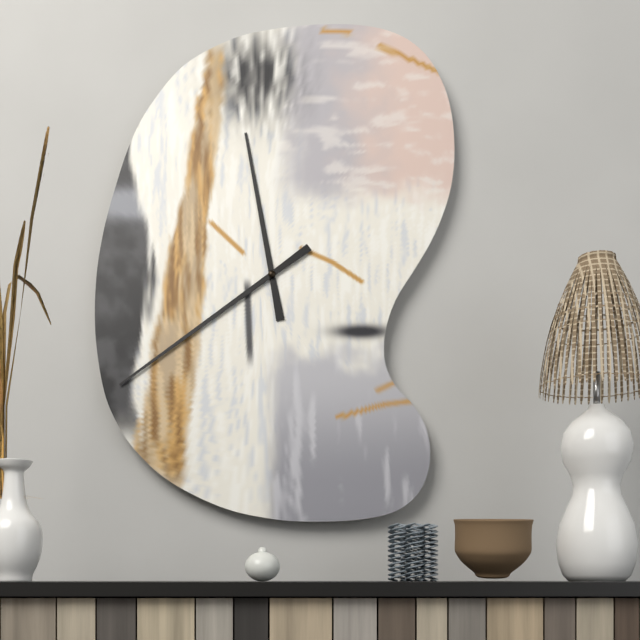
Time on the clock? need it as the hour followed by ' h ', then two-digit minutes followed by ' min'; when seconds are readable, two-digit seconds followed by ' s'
11 h 39 min
